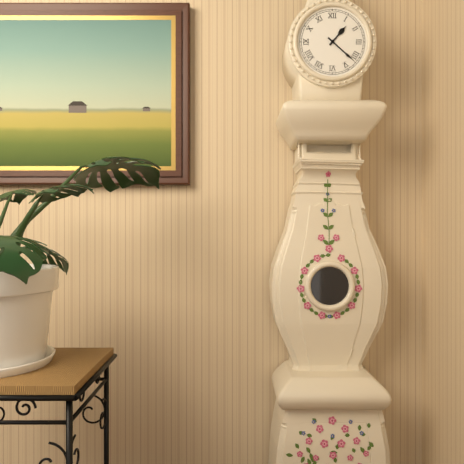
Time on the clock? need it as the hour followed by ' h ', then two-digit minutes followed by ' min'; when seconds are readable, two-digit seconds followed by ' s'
1 h 22 min
